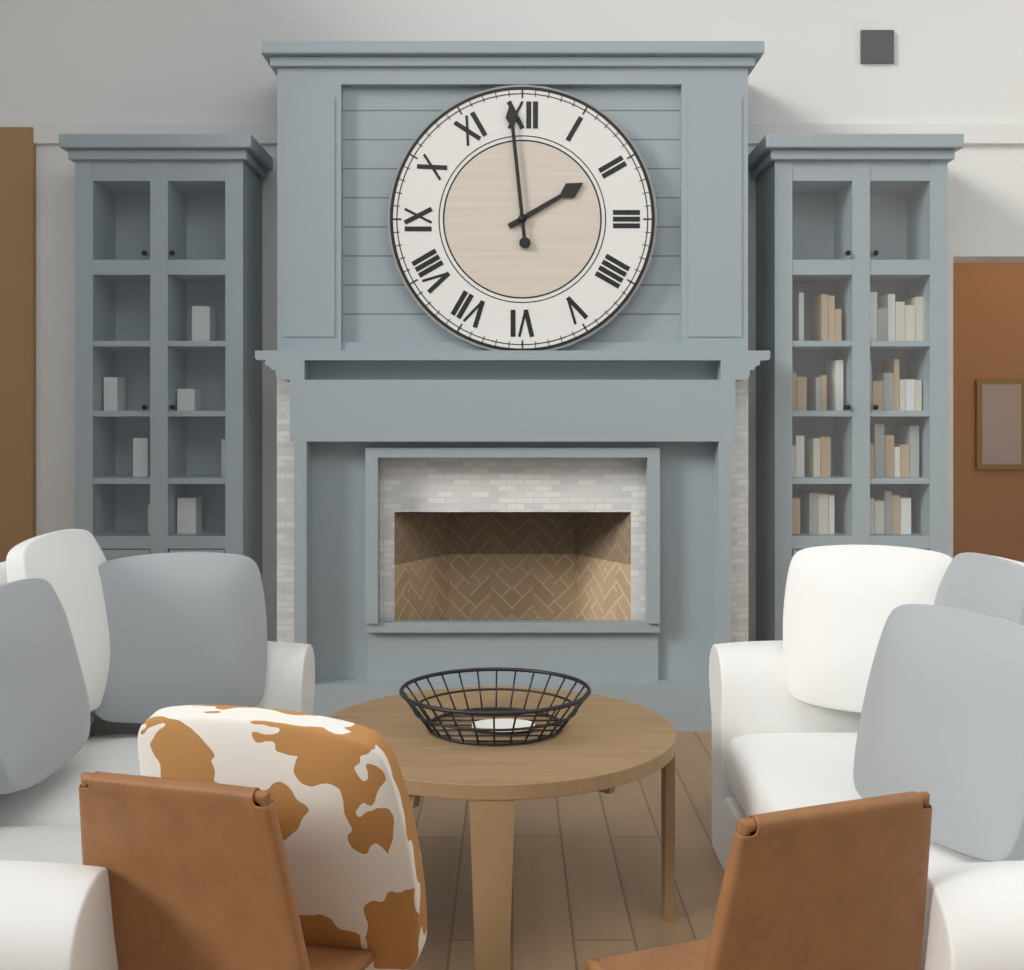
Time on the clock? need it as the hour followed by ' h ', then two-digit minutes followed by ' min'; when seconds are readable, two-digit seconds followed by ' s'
1 h 59 min
